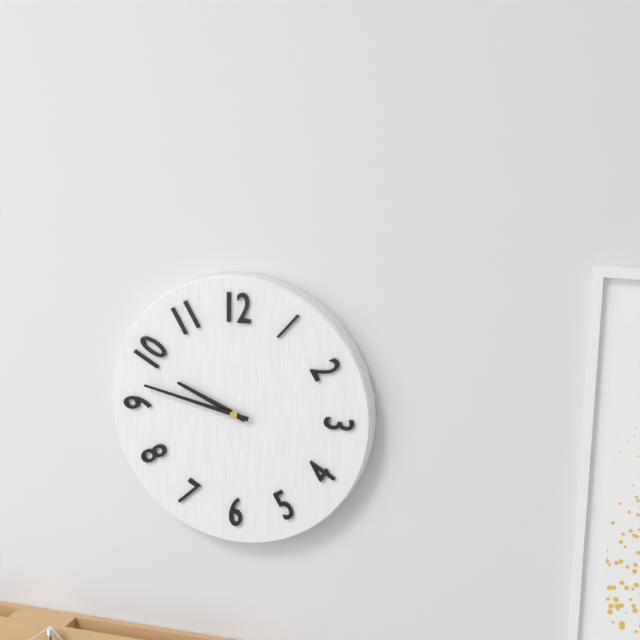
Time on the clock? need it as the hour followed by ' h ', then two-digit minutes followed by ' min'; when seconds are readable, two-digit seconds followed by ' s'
9 h 47 min
